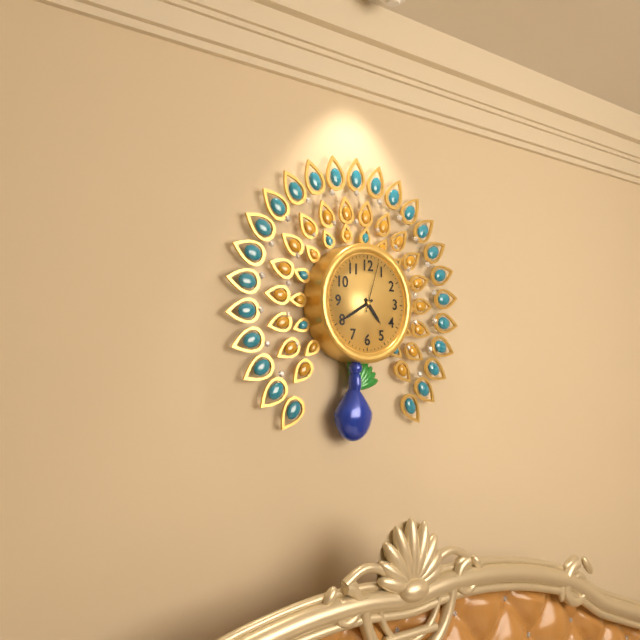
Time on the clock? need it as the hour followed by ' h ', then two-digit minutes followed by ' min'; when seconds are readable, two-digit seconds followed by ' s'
4 h 40 min 03 s
